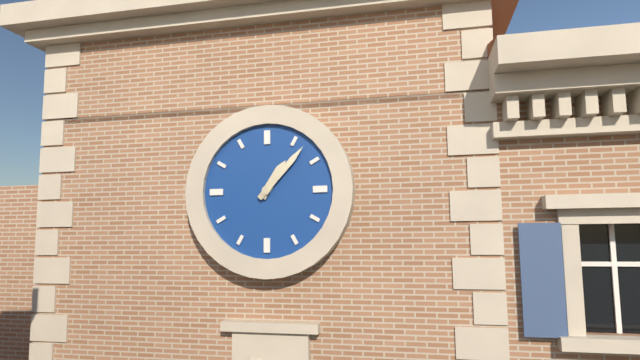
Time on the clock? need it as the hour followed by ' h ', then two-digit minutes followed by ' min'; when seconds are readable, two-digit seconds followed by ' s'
1 h 07 min
